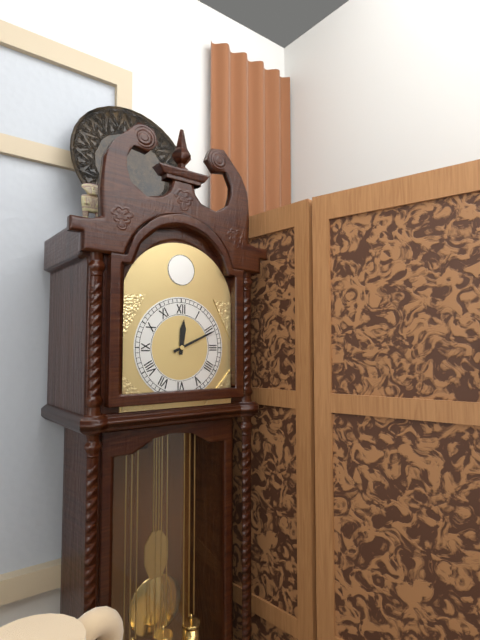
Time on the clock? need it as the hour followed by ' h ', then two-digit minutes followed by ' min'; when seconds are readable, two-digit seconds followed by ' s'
12 h 11 min
